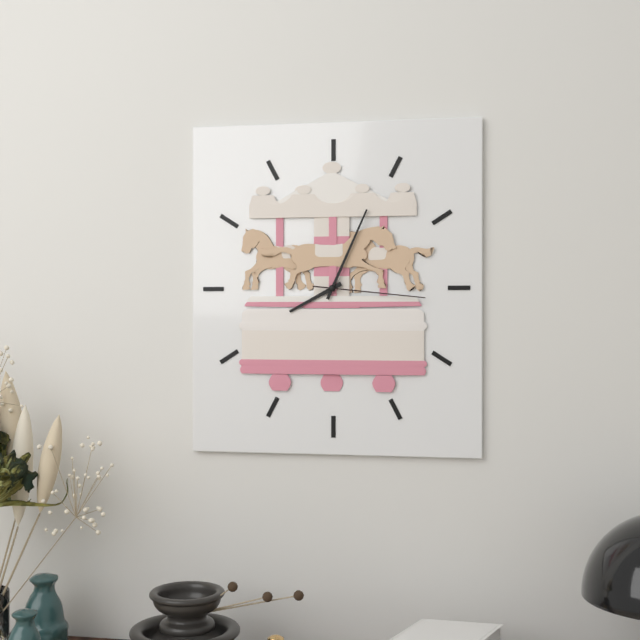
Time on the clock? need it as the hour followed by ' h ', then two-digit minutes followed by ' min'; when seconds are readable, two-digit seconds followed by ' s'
8 h 04 min 16 s
